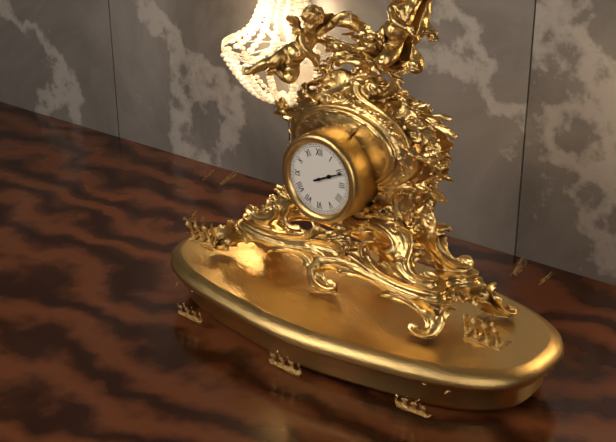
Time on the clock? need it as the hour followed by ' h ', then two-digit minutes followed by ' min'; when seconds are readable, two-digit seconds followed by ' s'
2 h 11 min
